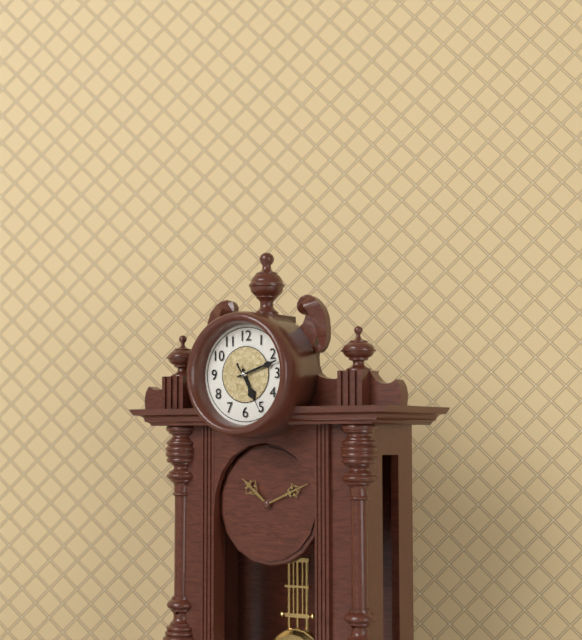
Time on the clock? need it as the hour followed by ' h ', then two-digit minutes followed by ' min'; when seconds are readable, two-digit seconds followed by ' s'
5 h 12 min 25 s
